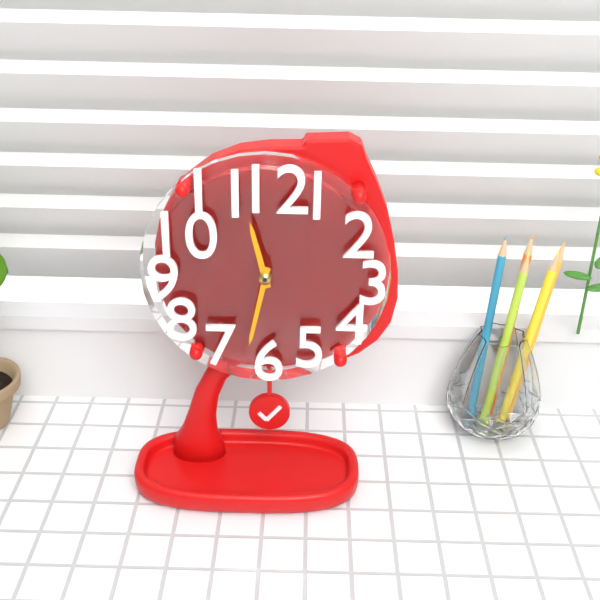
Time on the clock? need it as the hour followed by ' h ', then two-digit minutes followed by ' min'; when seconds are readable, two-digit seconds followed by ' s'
11 h 32 min
